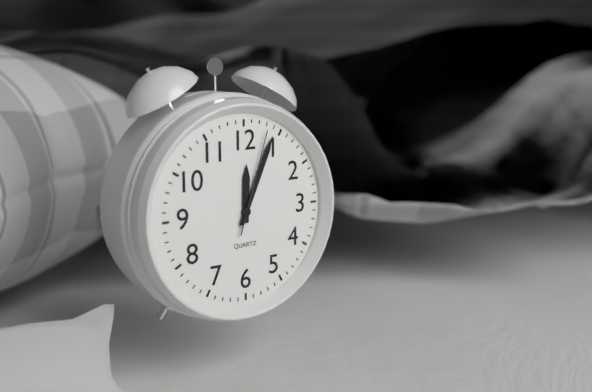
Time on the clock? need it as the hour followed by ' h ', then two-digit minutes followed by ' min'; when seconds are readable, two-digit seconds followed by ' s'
12 h 04 min 03 s
